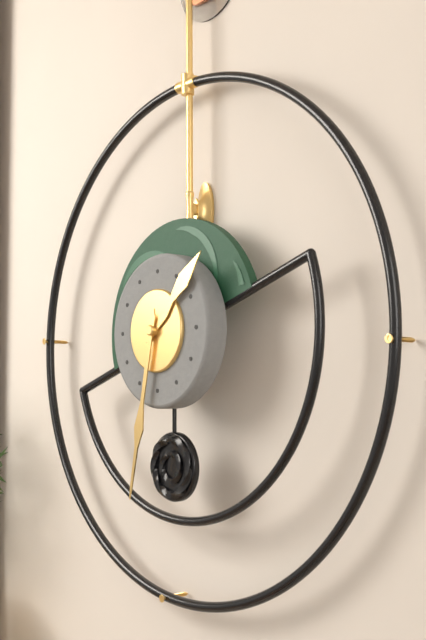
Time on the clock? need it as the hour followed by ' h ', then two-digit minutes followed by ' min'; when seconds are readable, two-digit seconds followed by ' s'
1 h 32 min
